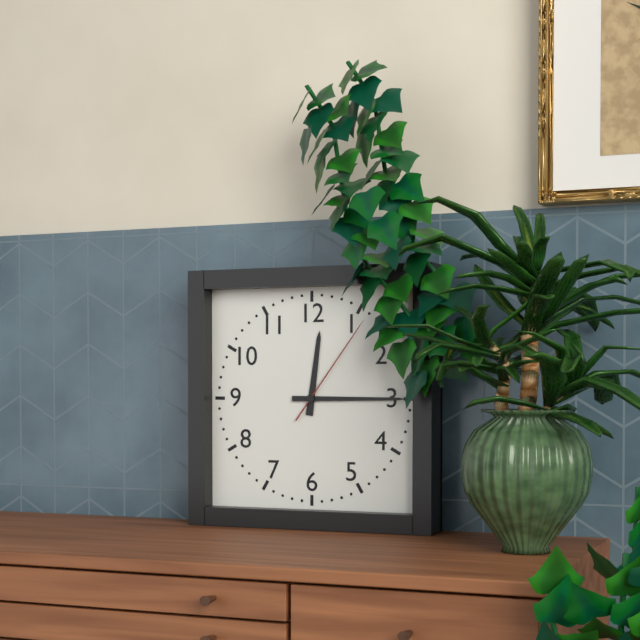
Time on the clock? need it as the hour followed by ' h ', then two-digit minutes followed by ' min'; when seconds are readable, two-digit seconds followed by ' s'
12 h 15 min 06 s
